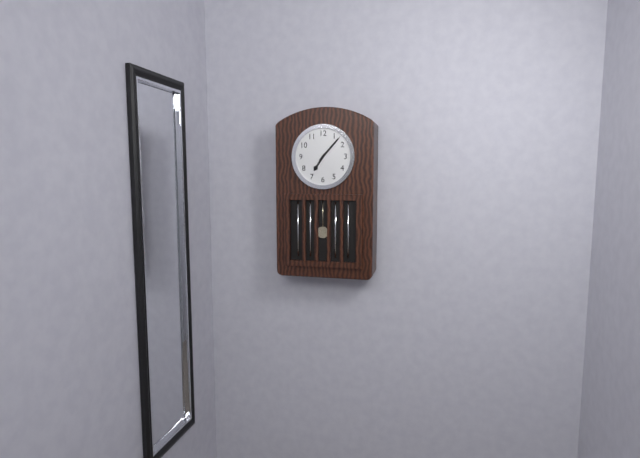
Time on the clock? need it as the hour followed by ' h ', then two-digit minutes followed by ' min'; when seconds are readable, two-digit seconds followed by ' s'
7 h 07 min
